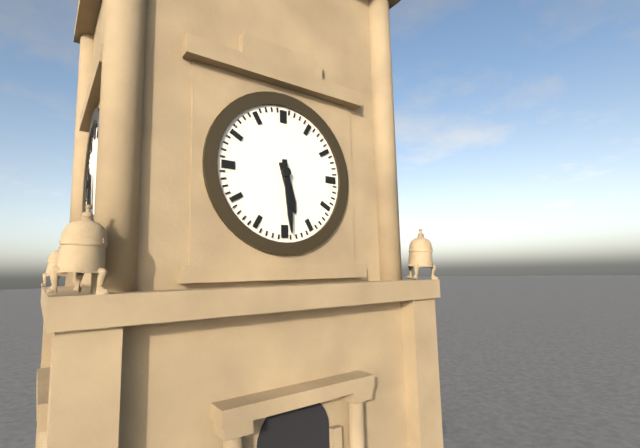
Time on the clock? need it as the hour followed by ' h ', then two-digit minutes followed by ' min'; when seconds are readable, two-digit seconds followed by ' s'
5 h 29 min
